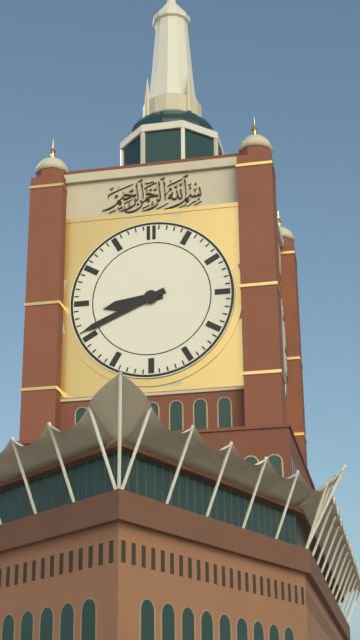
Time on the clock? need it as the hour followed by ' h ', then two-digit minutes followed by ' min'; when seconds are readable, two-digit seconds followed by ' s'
8 h 41 min
